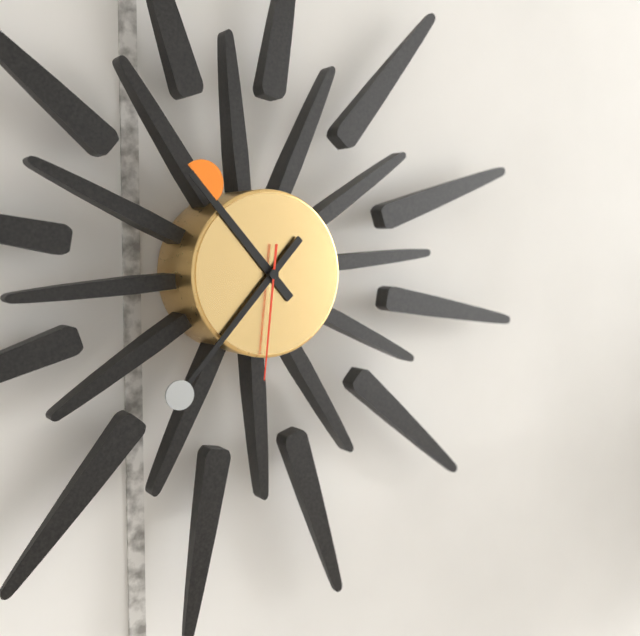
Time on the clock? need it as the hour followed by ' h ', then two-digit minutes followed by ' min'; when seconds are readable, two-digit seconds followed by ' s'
10 h 37 min 31 s
